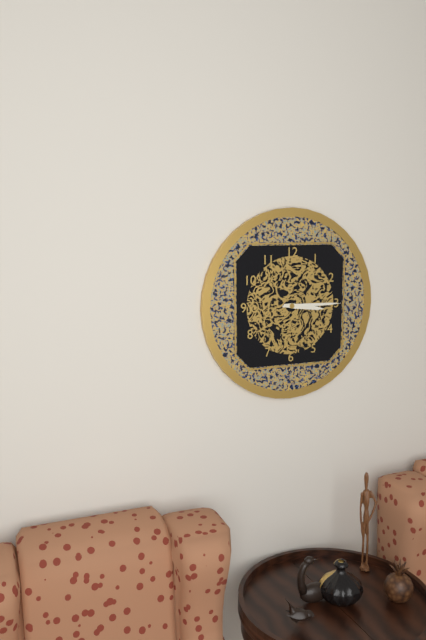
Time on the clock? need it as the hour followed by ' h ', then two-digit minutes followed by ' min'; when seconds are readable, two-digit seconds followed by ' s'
3 h 15 min
